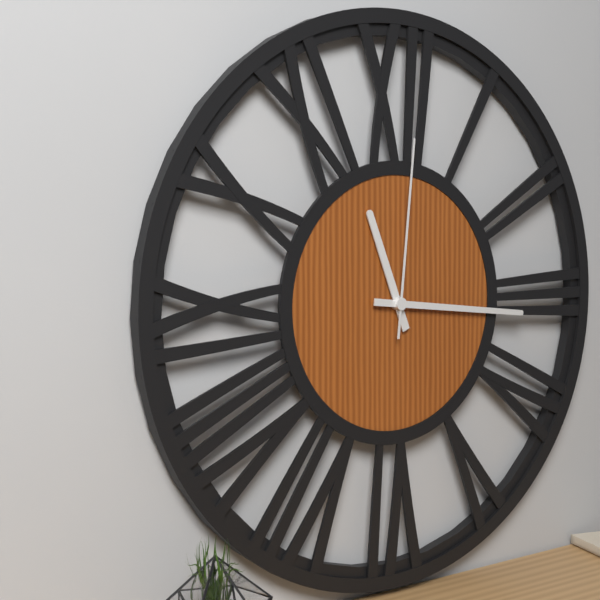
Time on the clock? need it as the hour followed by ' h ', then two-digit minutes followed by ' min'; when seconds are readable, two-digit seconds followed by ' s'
11 h 16 min 01 s
